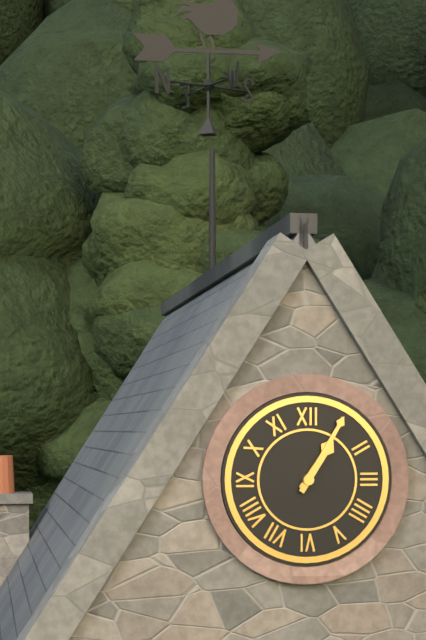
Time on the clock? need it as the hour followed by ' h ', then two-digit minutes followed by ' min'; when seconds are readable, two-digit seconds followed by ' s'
1 h 05 min
